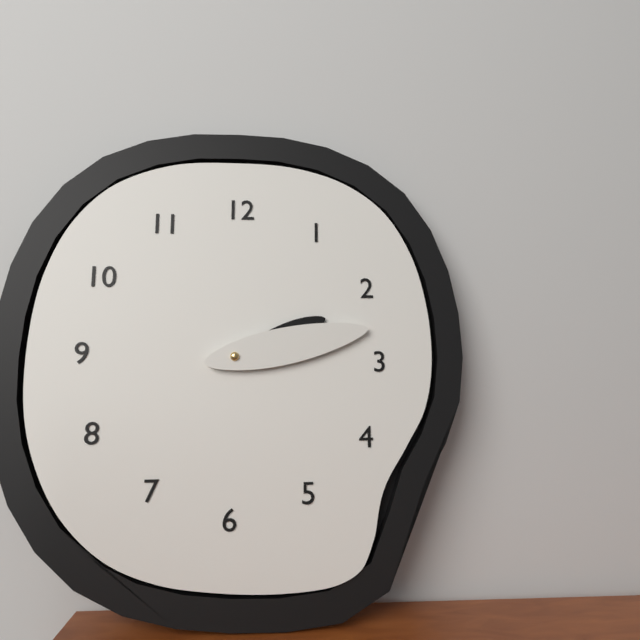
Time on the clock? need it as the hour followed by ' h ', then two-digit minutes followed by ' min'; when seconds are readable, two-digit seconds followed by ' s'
2 h 13 min
